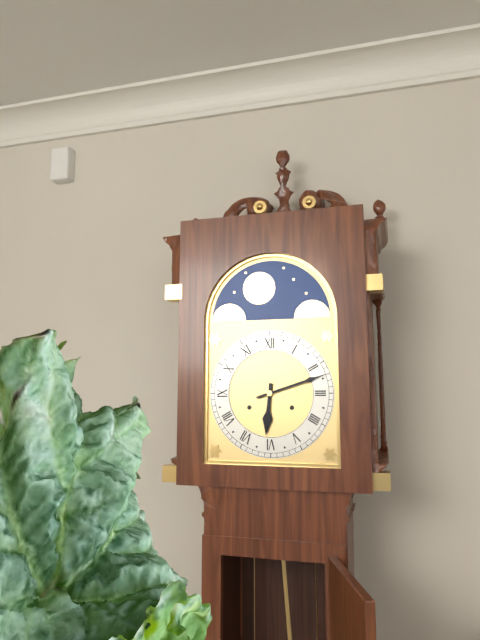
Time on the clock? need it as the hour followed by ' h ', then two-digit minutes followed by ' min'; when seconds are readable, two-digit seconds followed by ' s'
6 h 12 min
